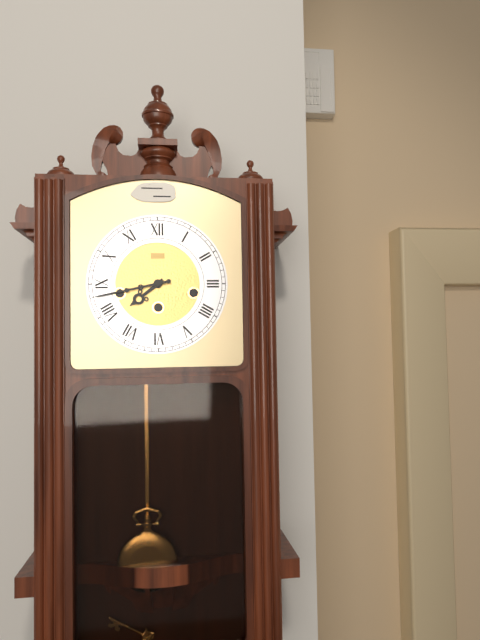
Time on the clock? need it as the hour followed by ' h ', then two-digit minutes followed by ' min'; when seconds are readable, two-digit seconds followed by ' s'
7 h 43 min
